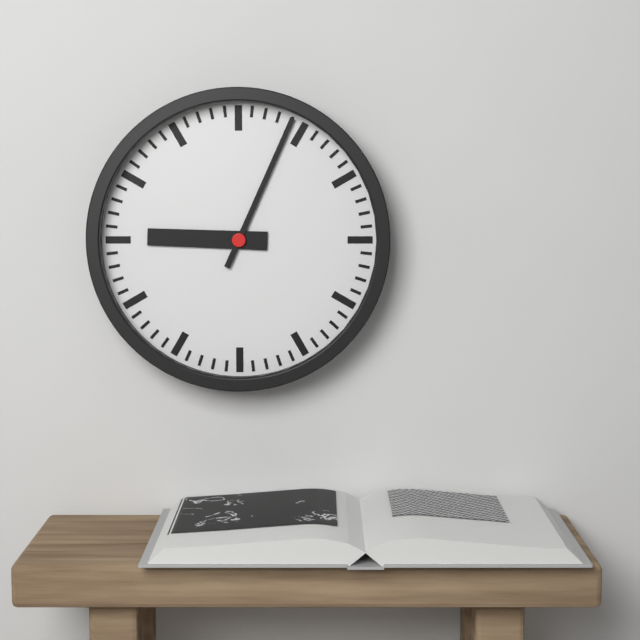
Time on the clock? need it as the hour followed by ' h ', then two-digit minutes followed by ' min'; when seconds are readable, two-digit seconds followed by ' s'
9 h 04 min
